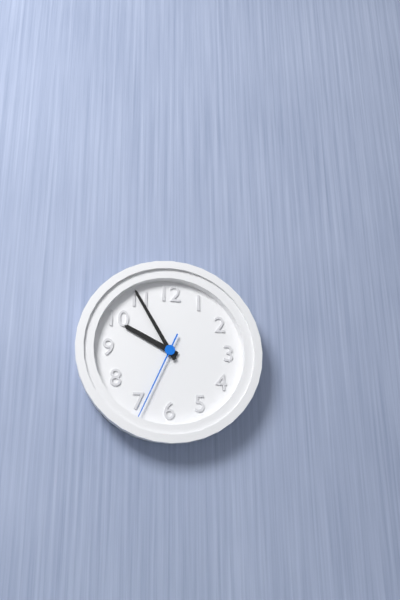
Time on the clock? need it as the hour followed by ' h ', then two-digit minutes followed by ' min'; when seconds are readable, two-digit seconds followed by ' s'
9 h 55 min 34 s
